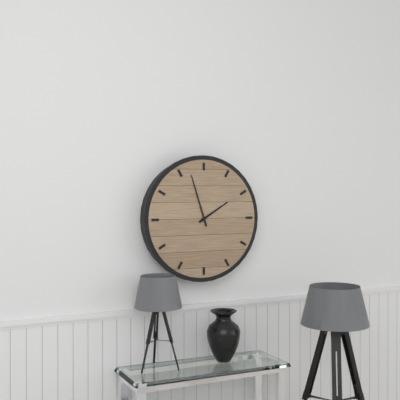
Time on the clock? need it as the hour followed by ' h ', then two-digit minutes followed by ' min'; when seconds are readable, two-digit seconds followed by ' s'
1 h 57 min
